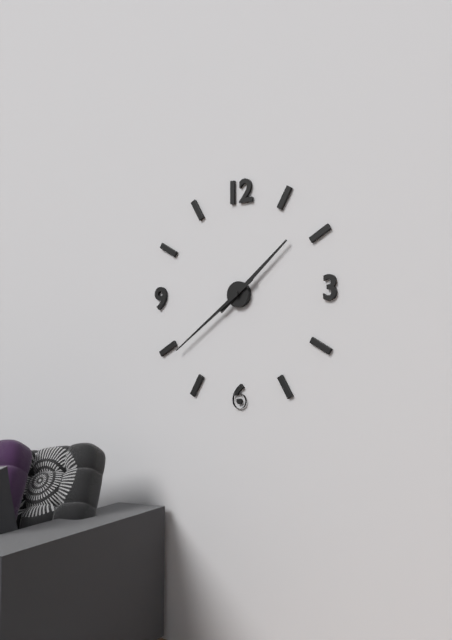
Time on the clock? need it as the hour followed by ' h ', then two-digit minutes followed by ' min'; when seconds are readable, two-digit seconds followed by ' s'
1 h 39 min
